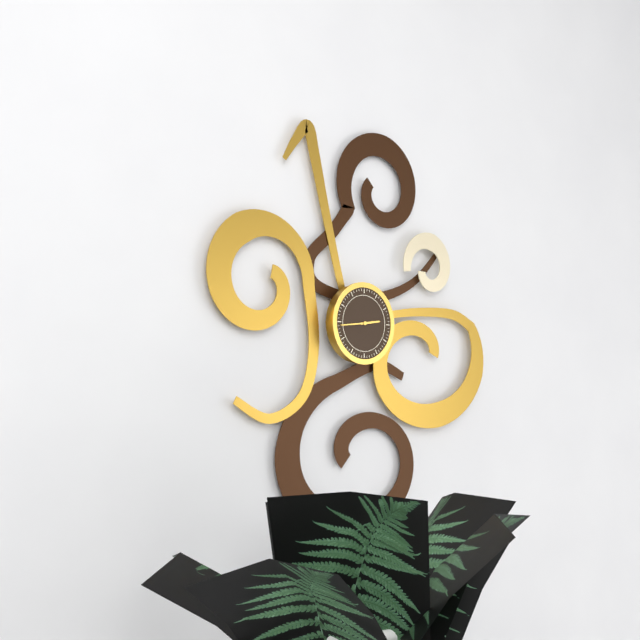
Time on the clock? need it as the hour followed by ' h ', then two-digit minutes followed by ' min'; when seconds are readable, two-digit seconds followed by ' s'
2 h 44 min
